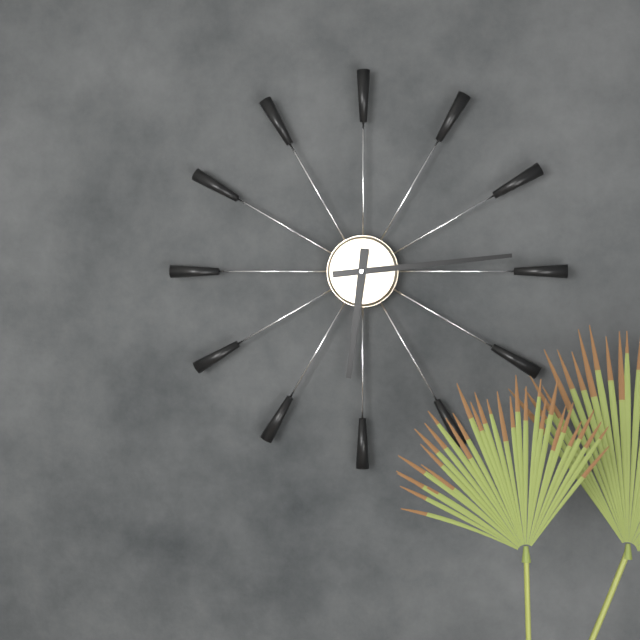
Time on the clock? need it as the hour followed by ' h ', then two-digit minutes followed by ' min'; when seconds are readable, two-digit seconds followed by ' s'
6 h 14 min
